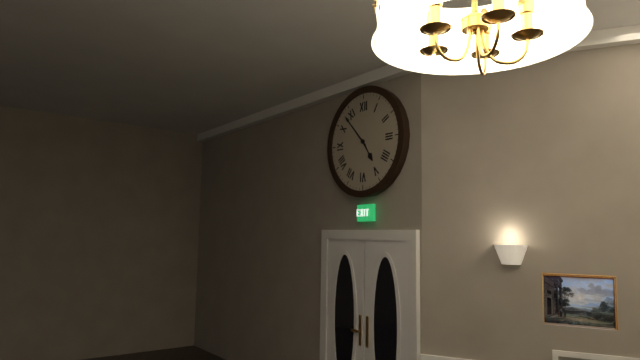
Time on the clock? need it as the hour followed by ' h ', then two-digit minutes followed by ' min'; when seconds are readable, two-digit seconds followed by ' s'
4 h 53 min
